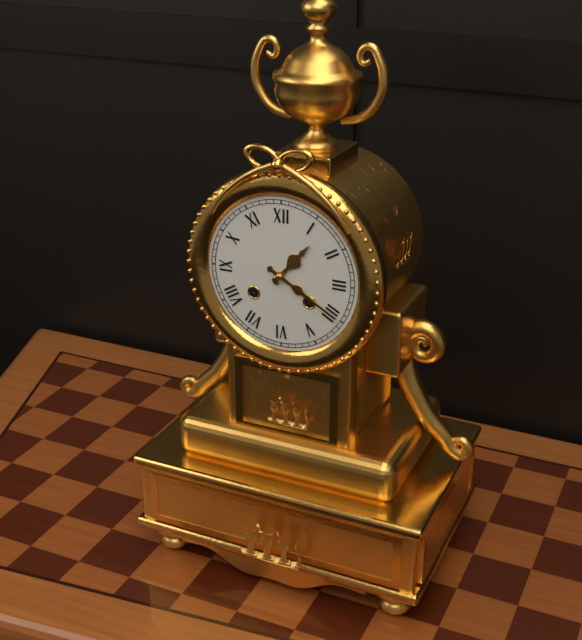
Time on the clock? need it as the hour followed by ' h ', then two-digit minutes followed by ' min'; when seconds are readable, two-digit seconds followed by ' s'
1 h 20 min
